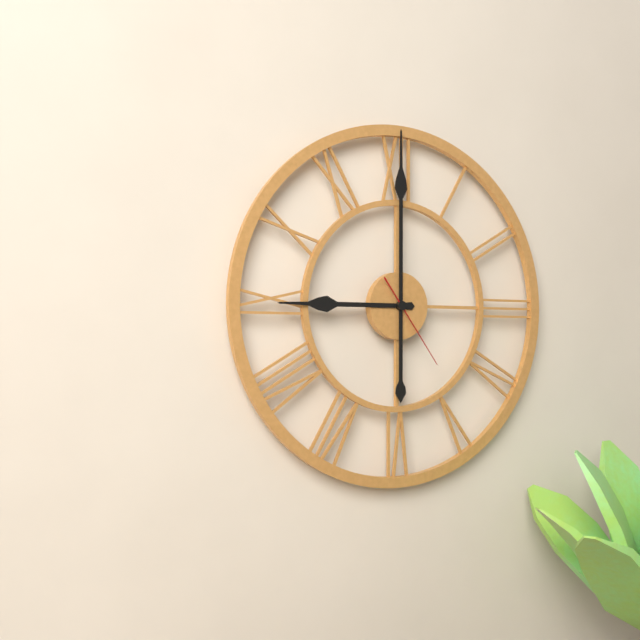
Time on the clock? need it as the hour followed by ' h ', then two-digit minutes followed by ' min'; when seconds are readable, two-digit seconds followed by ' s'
9 h 00 min 24 s
